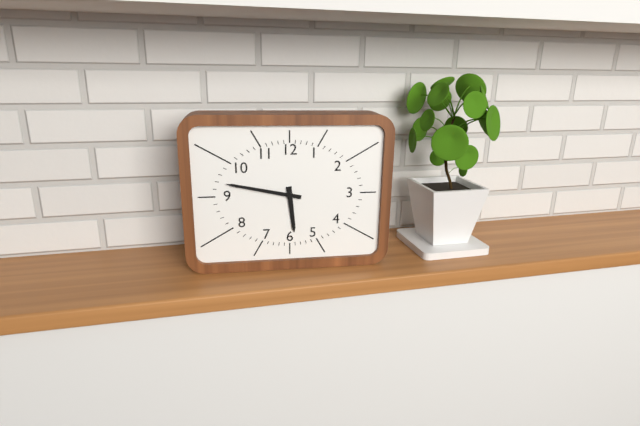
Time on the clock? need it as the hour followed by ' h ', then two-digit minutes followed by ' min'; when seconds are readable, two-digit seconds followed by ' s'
5 h 47 min
